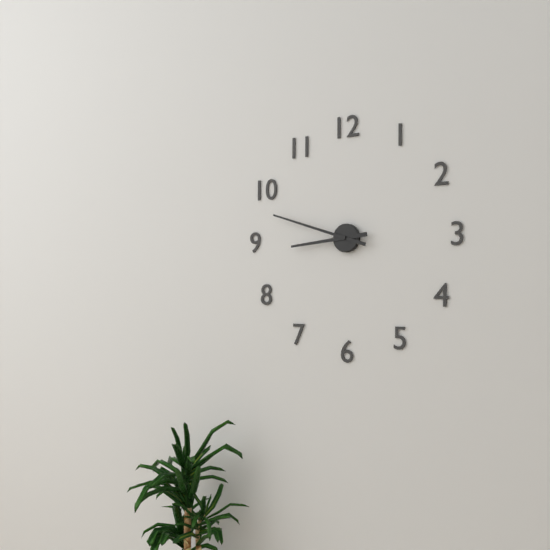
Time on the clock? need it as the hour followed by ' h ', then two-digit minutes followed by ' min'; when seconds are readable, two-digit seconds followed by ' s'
8 h 48 min
